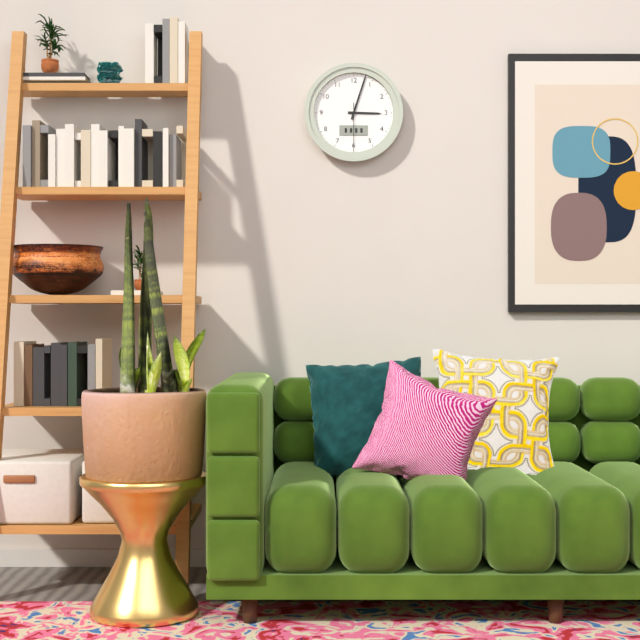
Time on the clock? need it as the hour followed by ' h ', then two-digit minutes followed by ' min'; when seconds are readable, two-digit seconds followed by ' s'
3 h 03 min 30 s
